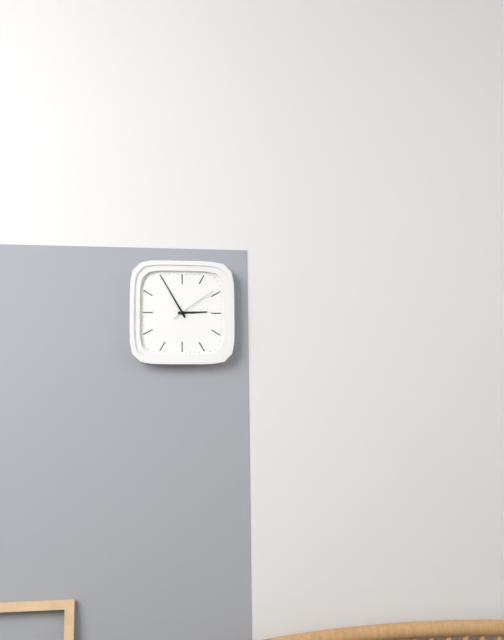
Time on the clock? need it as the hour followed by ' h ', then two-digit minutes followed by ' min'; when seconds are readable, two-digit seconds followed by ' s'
2 h 55 min
